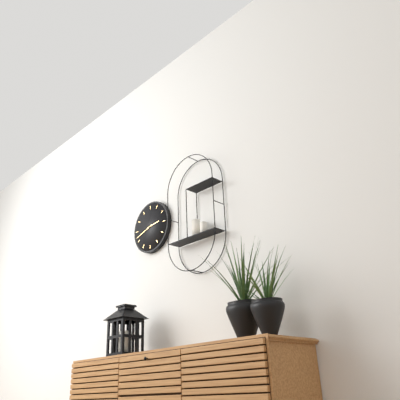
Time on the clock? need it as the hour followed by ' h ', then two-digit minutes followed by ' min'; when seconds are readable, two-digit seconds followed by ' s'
2 h 42 min
